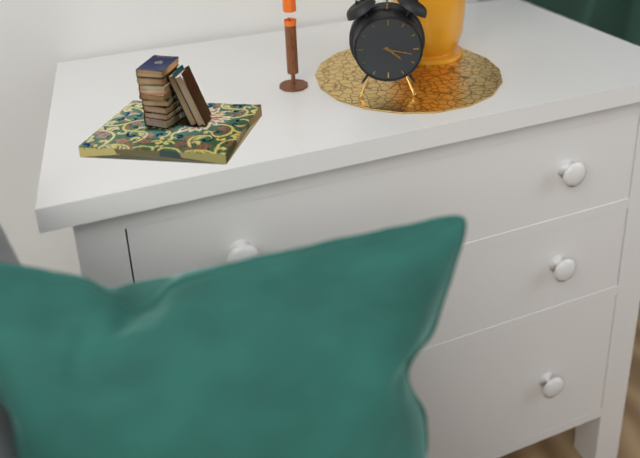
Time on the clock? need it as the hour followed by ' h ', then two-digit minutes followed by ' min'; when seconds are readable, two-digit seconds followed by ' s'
4 h 17 min
